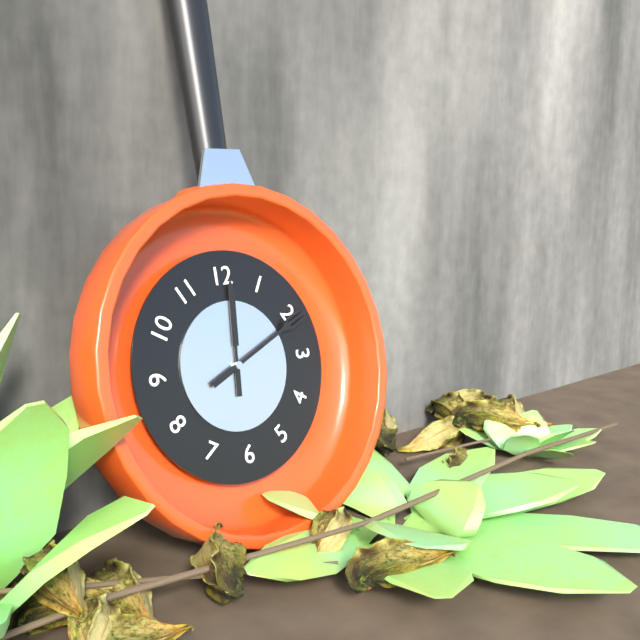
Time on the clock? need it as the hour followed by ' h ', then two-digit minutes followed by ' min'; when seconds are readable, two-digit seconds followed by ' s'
12 h 11 min
